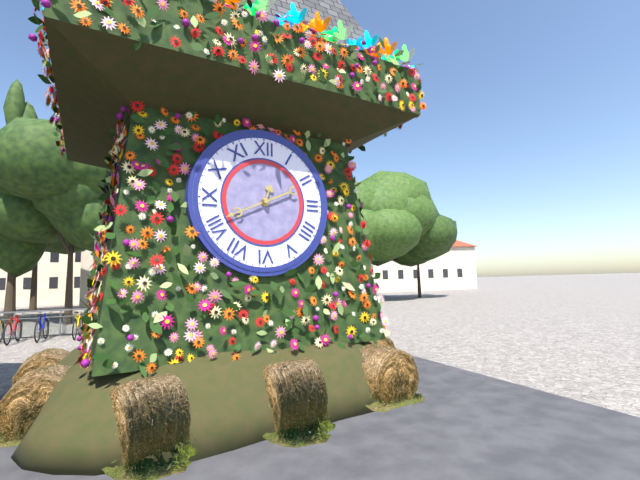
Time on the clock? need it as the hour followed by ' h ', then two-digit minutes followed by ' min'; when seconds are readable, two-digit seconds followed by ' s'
12 h 41 min
